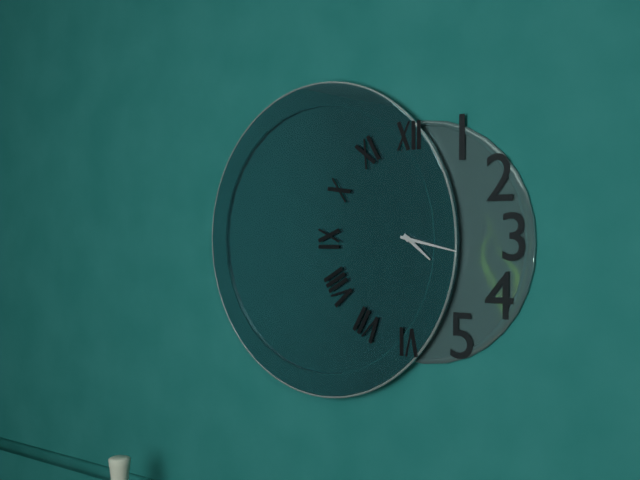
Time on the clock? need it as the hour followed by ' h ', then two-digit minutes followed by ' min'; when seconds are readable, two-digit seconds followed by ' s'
4 h 17 min
